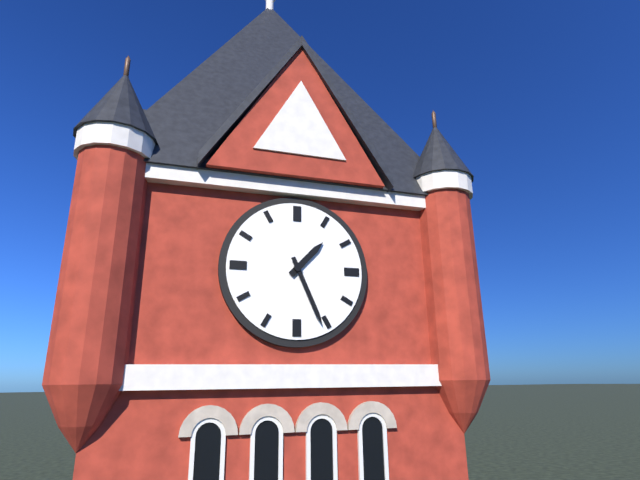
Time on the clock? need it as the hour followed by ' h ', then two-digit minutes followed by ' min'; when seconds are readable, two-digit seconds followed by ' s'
1 h 26 min
